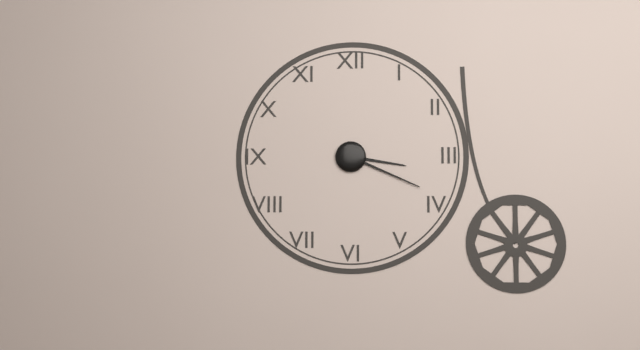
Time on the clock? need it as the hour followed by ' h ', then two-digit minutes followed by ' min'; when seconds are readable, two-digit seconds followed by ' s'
3 h 19 min
